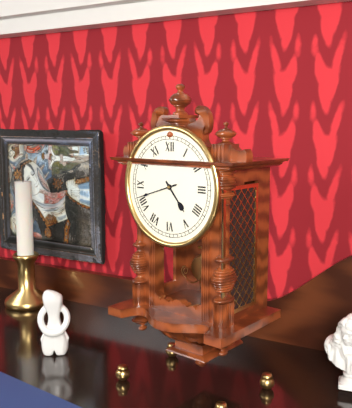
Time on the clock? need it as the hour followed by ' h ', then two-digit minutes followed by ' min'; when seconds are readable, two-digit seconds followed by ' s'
4 h 42 min
